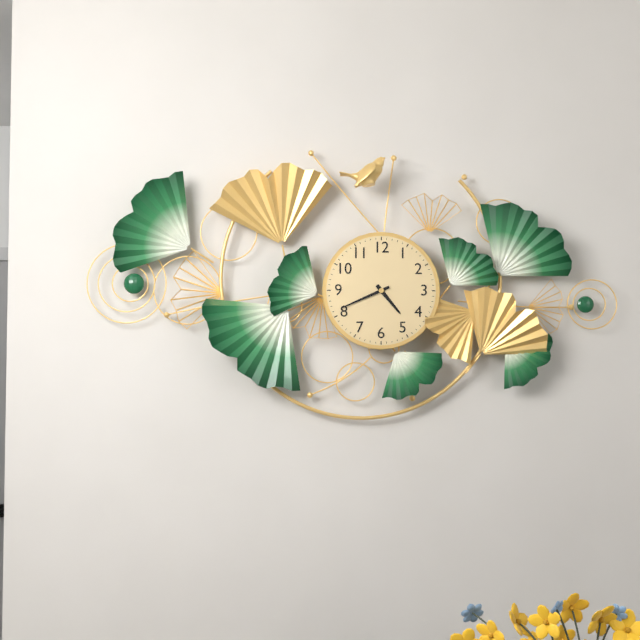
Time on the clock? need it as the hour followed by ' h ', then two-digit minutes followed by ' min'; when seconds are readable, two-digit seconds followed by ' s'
4 h 41 min
